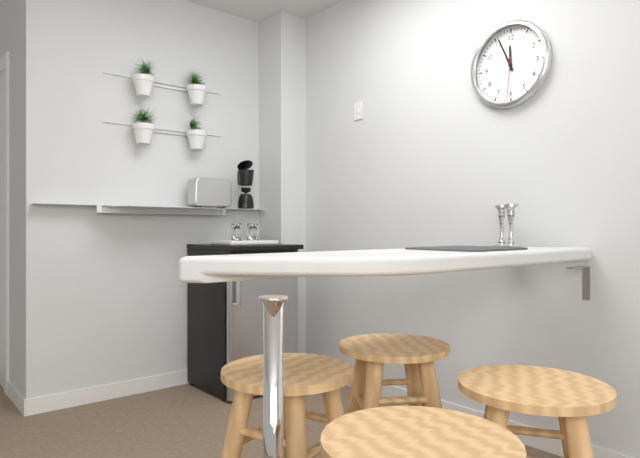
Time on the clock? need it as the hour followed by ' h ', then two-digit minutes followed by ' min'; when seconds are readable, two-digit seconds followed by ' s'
11 h 56 min
